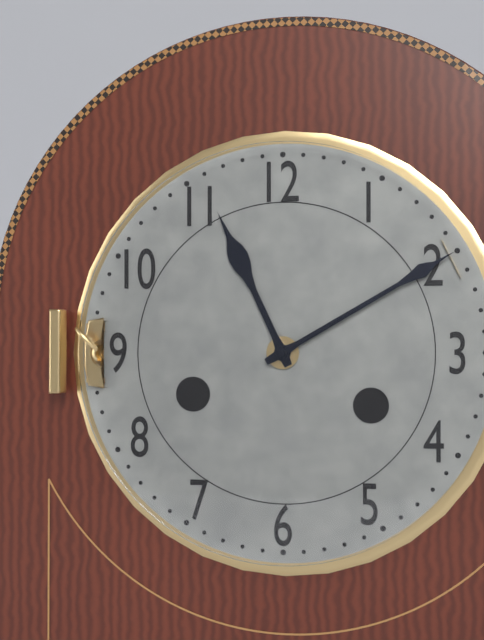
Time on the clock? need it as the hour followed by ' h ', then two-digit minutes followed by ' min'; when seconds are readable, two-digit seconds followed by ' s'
11 h 10 min
